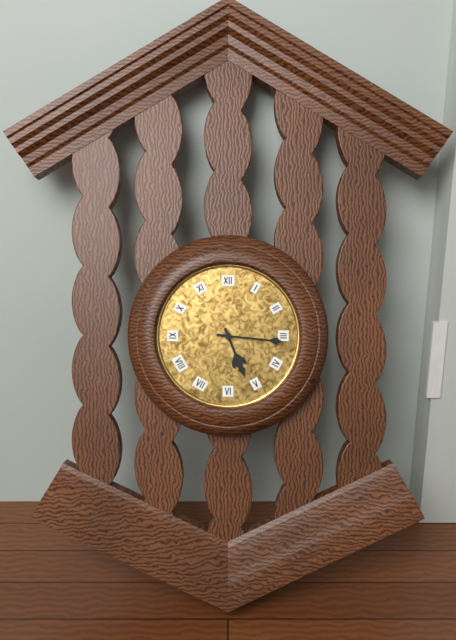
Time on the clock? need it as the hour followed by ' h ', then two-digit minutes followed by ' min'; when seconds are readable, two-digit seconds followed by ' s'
5 h 16 min
